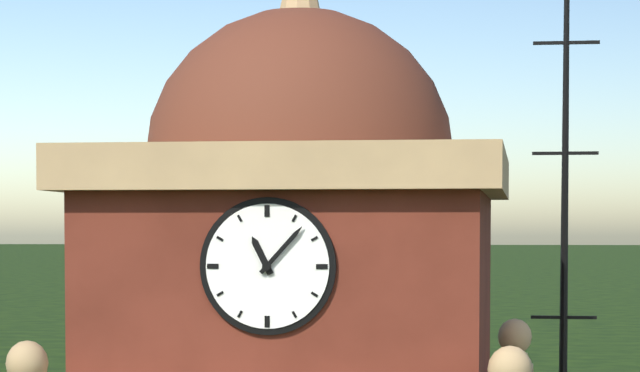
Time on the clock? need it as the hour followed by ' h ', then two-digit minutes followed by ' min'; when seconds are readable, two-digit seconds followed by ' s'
11 h 07 min
